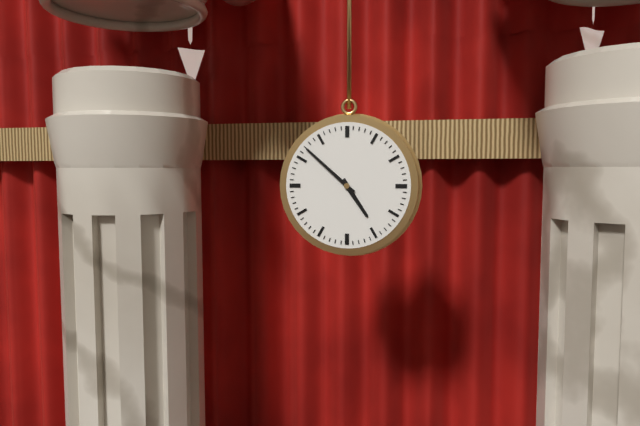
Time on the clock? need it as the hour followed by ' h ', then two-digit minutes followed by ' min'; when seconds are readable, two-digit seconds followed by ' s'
4 h 52 min
